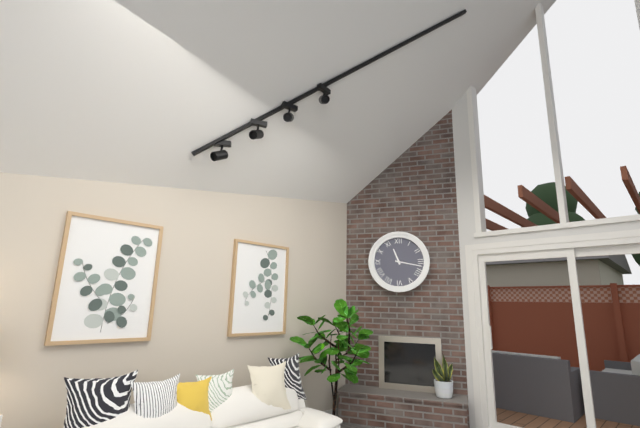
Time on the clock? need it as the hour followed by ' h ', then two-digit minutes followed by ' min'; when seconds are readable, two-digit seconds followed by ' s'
11 h 17 min
